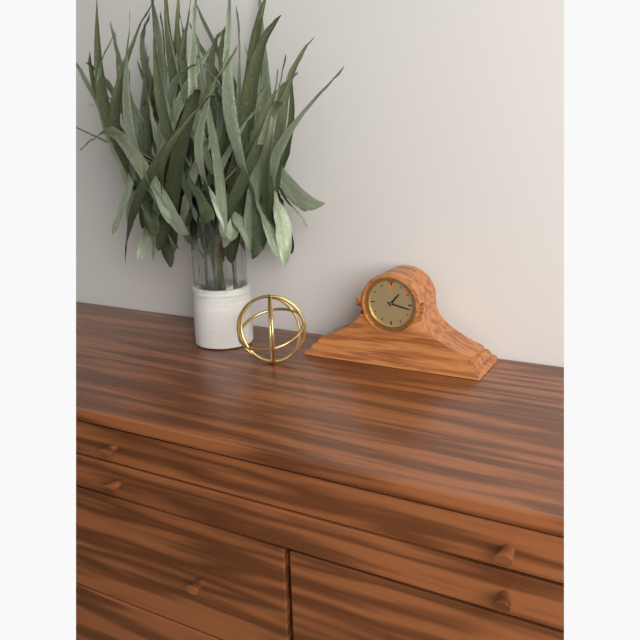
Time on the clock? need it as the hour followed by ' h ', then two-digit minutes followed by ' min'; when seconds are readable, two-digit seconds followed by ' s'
1 h 17 min
